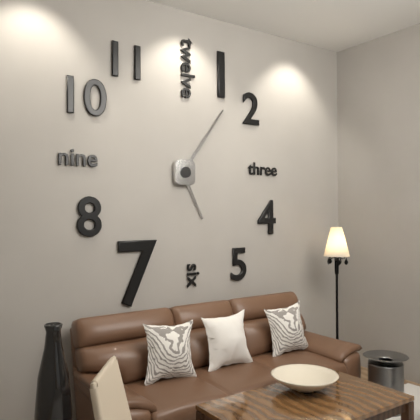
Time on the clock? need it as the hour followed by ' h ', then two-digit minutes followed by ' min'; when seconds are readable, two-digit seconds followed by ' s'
5 h 06 min
